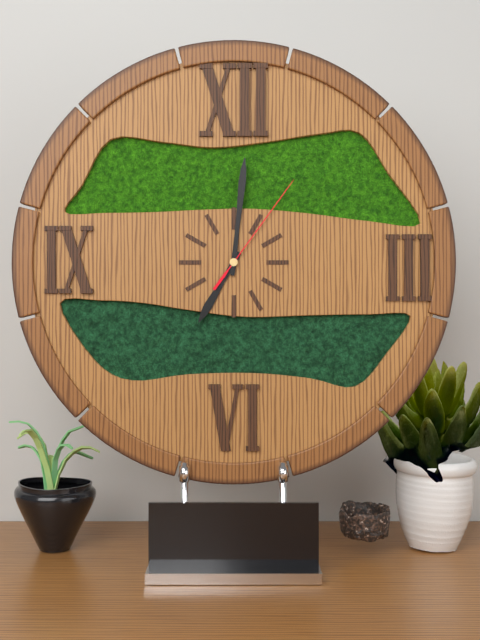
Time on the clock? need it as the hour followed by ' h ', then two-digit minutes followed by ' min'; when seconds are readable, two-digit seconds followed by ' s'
7 h 01 min 06 s
